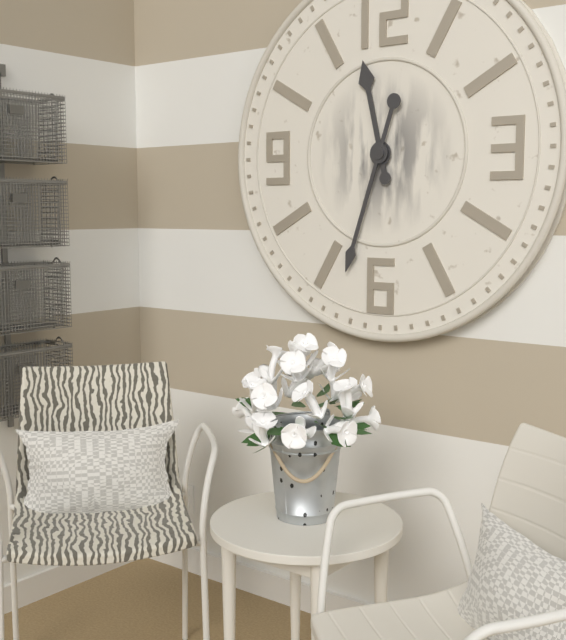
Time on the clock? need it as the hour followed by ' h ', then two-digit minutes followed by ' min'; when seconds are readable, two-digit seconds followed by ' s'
11 h 33 min
